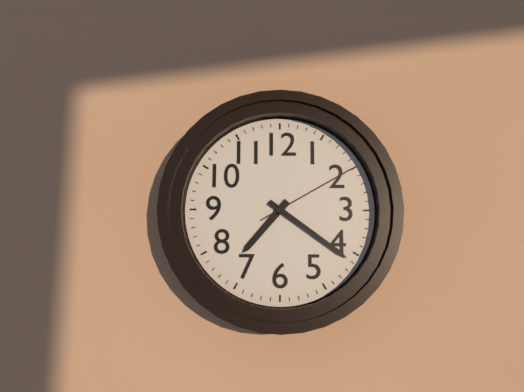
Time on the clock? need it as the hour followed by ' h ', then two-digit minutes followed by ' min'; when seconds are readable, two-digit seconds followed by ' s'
7 h 21 min 10 s
